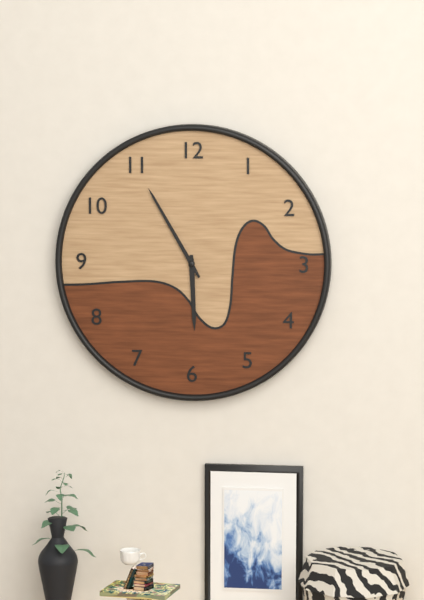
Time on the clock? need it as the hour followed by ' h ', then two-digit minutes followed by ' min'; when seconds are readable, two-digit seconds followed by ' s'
5 h 55 min
